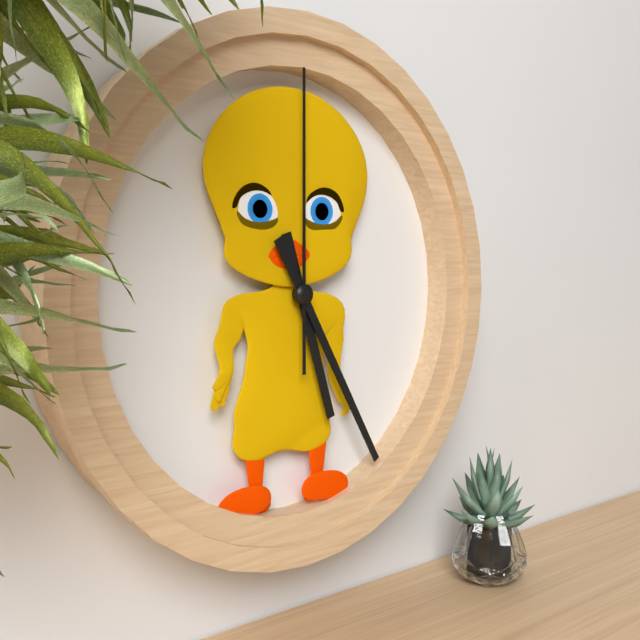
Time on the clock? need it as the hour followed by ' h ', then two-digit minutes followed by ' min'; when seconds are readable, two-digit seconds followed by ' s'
5 h 25 min 00 s
